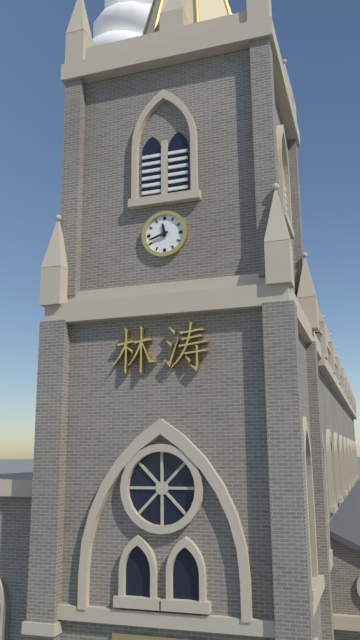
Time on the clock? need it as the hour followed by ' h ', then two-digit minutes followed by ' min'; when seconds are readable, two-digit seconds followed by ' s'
11 h 42 min
